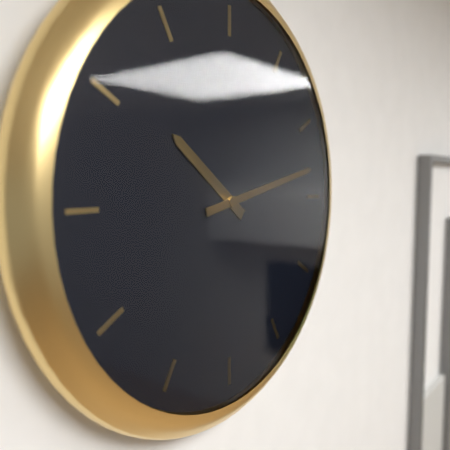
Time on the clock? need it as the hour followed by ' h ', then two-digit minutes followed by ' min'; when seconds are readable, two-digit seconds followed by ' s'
10 h 13 min
